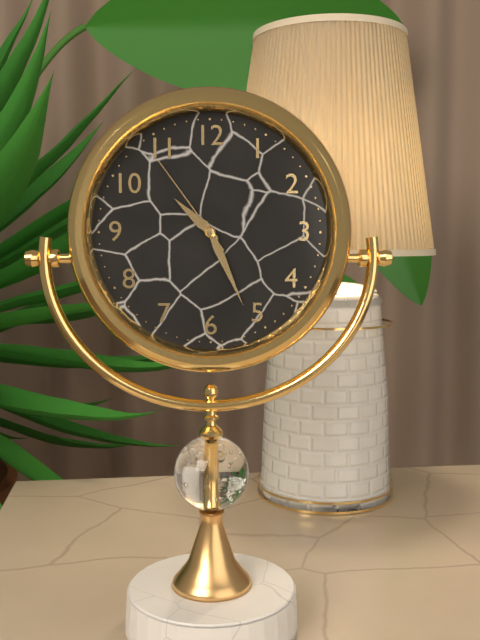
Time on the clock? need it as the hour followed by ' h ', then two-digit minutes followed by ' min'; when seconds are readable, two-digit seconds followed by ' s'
10 h 26 min 54 s
